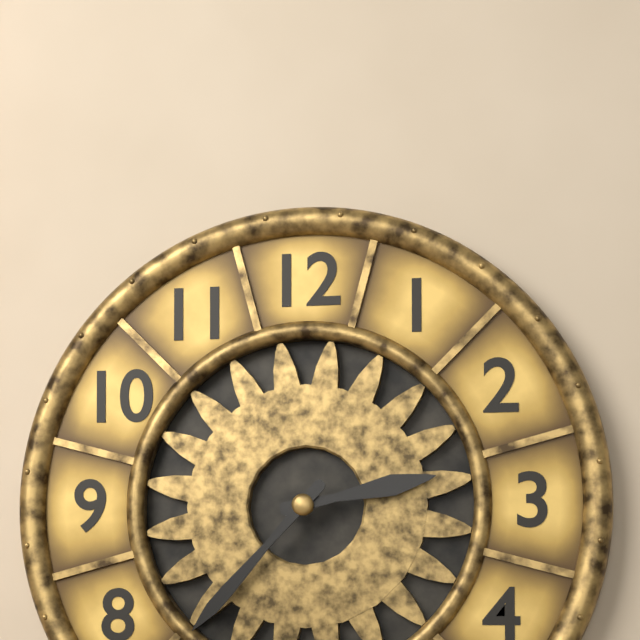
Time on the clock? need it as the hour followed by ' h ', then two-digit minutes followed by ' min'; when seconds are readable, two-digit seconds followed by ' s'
2 h 37 min
